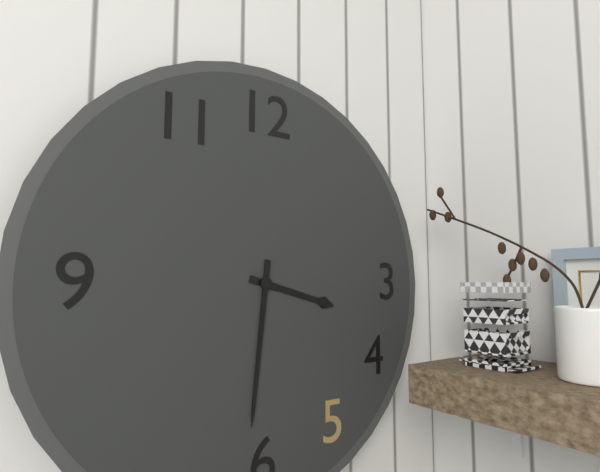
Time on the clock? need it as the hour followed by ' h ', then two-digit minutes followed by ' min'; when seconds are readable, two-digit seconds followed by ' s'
3 h 31 min
